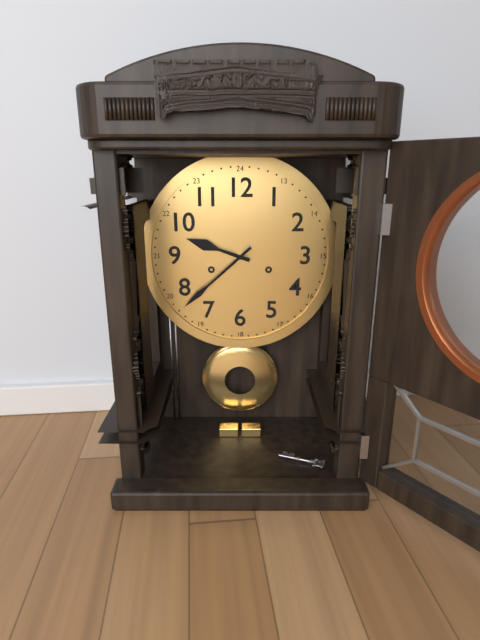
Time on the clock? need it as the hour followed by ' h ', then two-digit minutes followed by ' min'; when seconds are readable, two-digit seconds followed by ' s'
9 h 38 min
